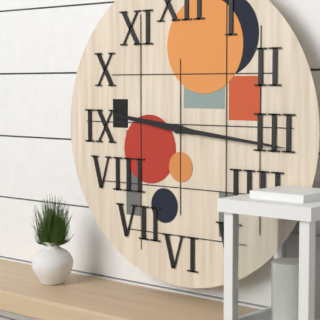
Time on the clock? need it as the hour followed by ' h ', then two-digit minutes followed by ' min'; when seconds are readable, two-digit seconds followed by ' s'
9 h 16 min
